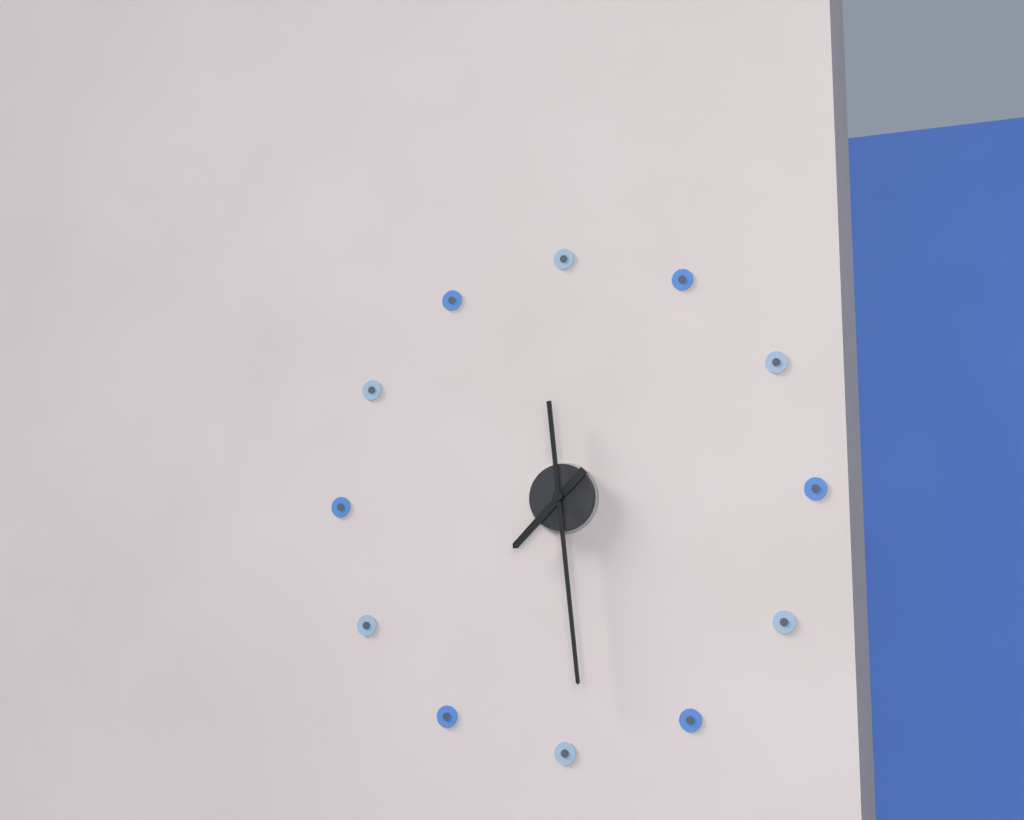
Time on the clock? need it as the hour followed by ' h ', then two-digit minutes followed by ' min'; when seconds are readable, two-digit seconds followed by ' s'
7 h 29 min
